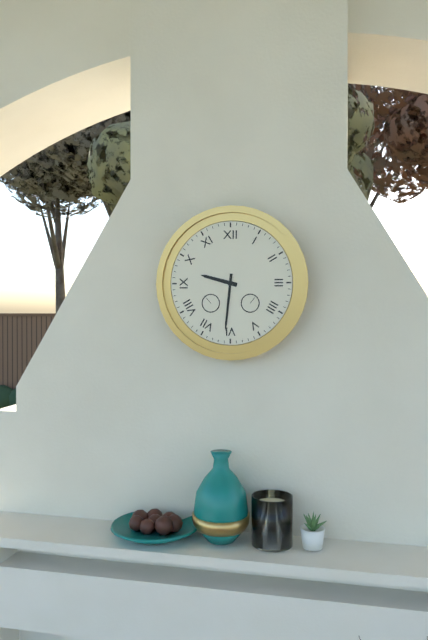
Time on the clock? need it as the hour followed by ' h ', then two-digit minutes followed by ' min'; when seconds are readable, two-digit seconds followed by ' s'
9 h 31 min
